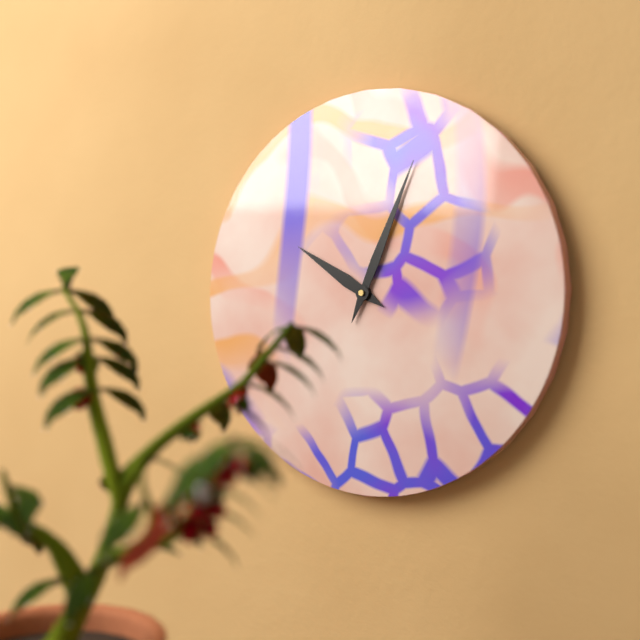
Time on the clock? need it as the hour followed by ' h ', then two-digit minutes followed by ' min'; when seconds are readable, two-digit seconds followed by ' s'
10 h 04 min
